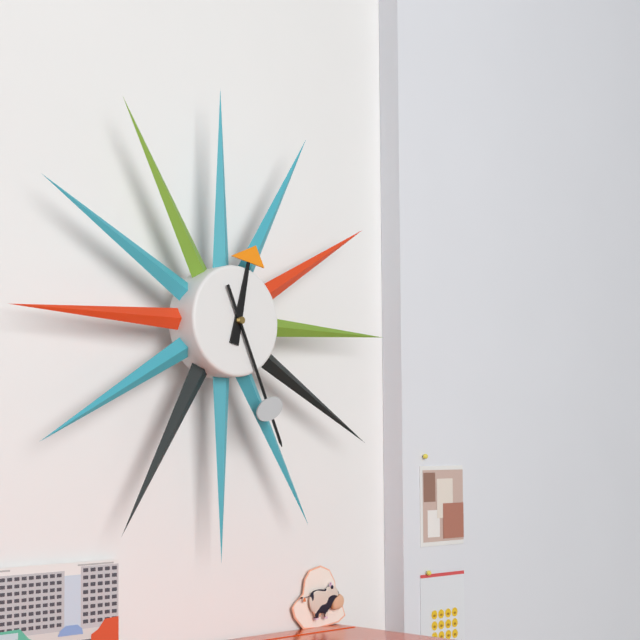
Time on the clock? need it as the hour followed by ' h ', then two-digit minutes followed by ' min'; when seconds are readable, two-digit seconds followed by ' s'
12 h 26 min
